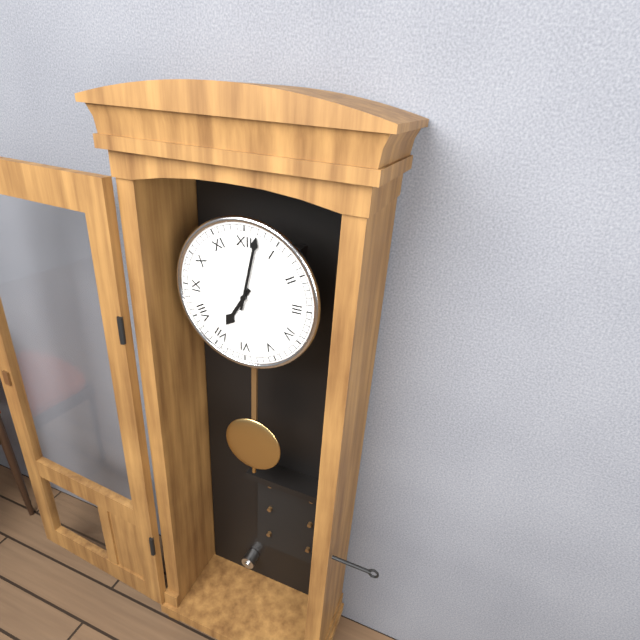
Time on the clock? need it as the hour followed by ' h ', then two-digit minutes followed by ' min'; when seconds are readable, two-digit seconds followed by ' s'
7 h 02 min
